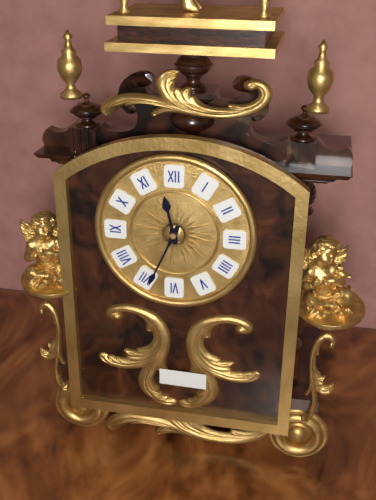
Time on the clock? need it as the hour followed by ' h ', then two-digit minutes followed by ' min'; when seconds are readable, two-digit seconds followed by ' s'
11 h 34 min
